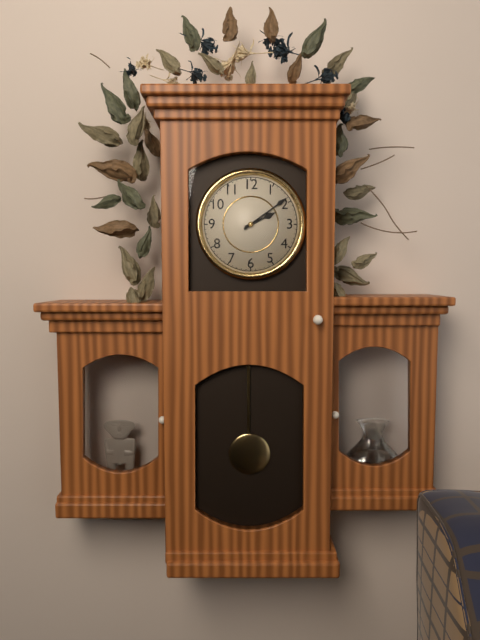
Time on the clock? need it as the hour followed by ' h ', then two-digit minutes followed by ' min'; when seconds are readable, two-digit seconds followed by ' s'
2 h 09 min
